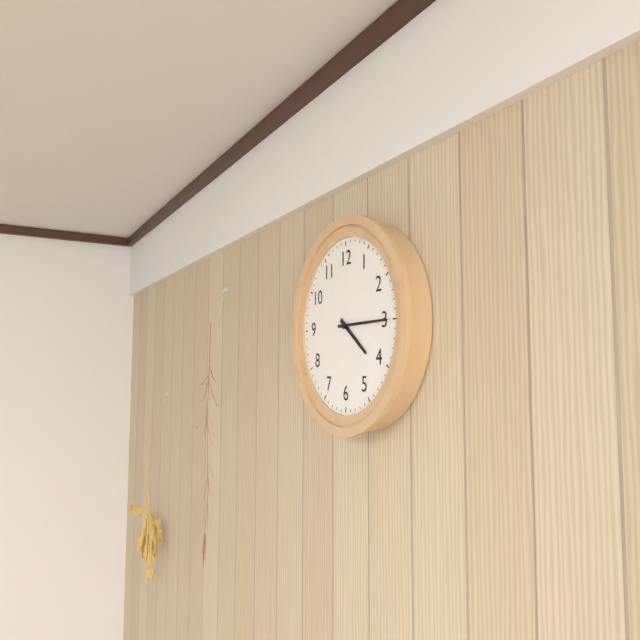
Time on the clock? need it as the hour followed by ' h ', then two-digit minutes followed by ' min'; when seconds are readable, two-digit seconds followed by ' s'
4 h 15 min
